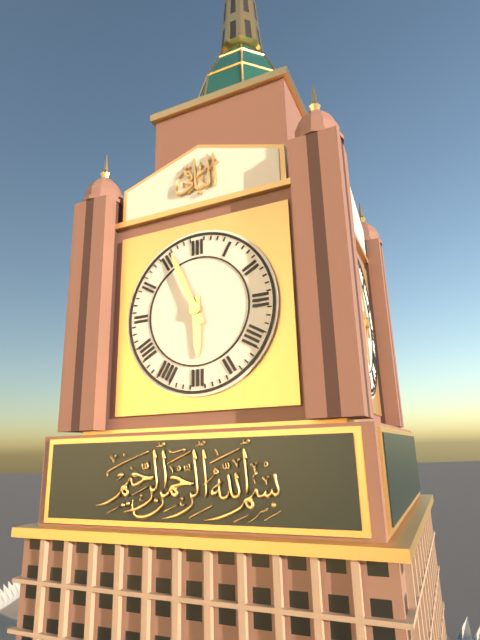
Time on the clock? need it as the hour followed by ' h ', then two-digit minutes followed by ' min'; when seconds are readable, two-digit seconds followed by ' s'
5 h 56 min
